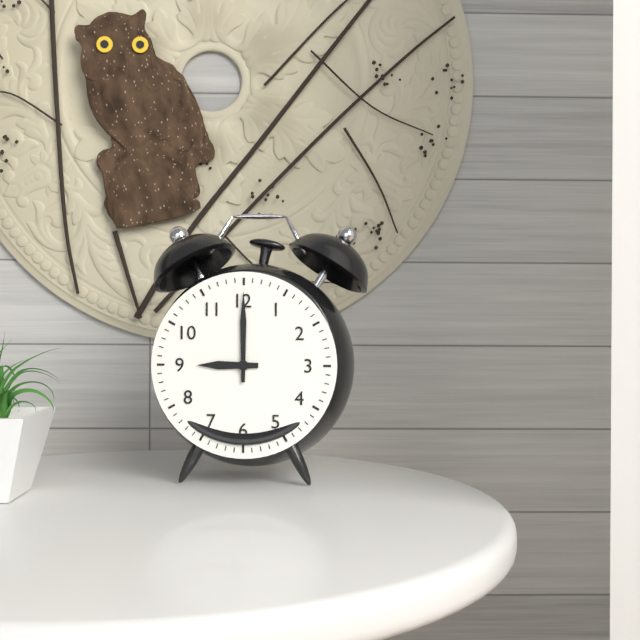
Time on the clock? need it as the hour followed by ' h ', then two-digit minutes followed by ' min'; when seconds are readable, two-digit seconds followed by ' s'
9 h 00 min
